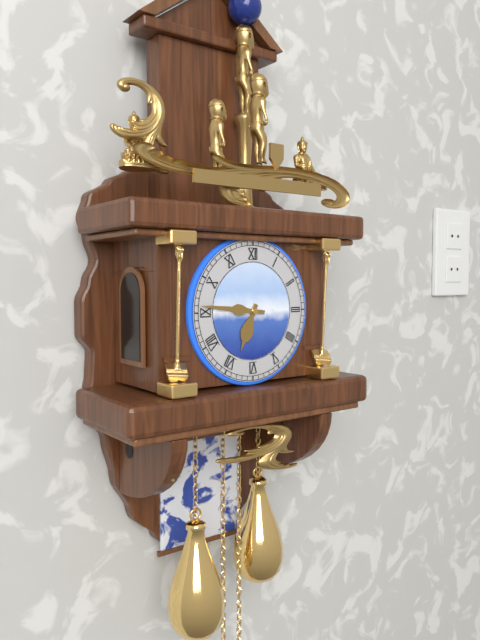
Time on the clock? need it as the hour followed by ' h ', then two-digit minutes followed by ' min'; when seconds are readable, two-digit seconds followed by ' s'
6 h 46 min
